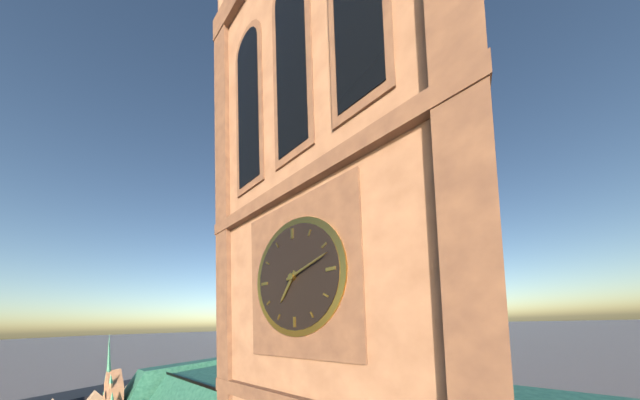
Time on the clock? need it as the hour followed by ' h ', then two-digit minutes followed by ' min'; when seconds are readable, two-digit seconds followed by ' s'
7 h 12 min
